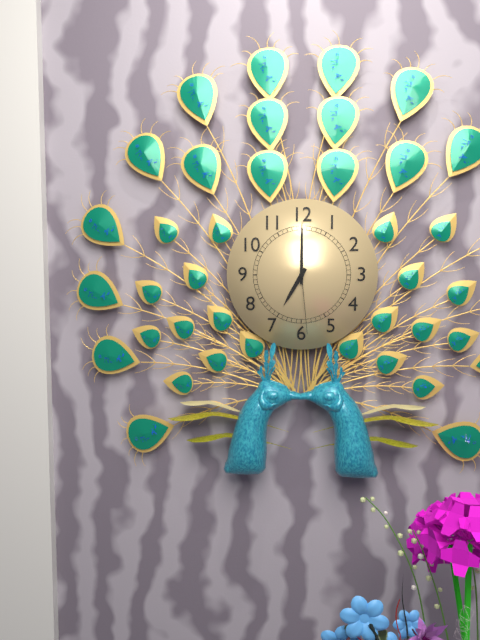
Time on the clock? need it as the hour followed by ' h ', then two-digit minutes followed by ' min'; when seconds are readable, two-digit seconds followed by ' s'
7 h 00 min 29 s
